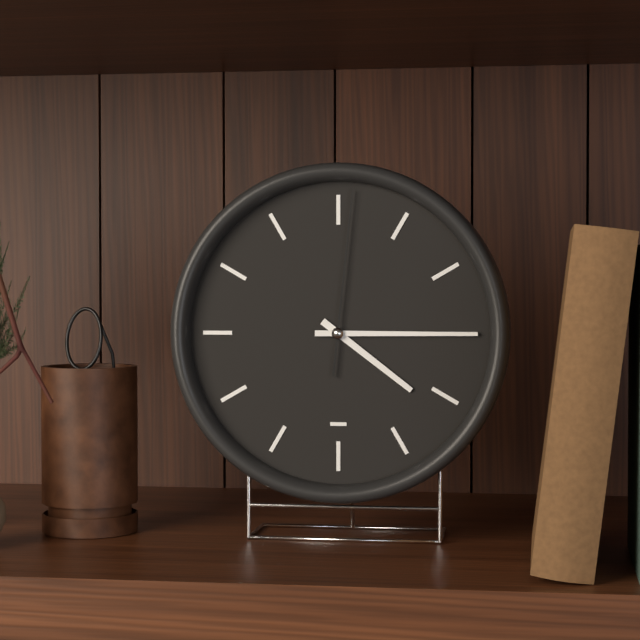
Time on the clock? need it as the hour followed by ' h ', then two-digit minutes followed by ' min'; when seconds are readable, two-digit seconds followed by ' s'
4 h 15 min 01 s
